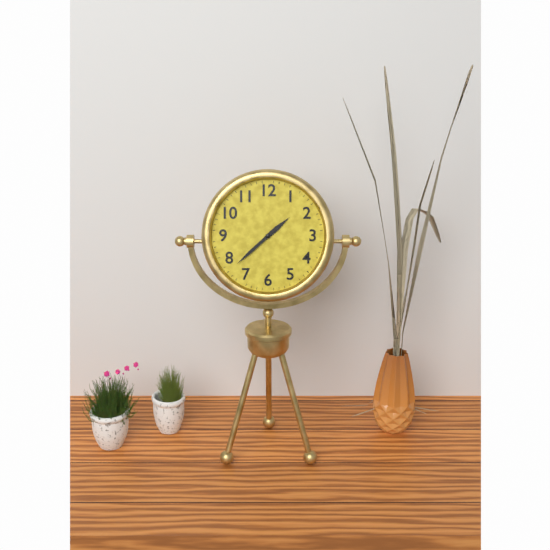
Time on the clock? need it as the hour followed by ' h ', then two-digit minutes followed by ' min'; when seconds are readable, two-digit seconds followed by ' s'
1 h 38 min
